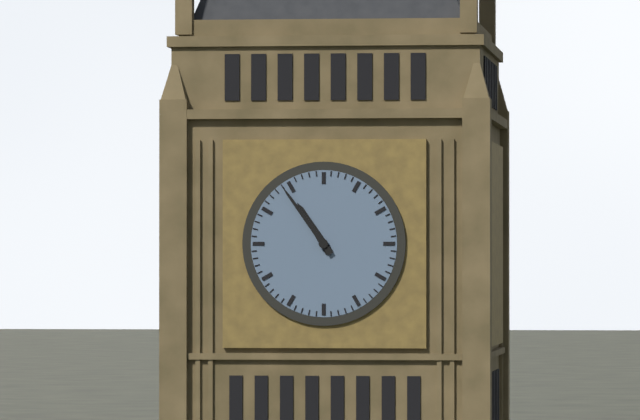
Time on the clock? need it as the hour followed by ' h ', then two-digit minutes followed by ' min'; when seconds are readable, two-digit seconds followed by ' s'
10 h 54 min
